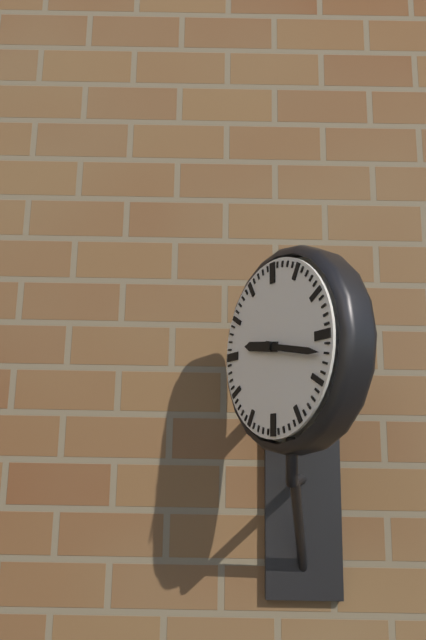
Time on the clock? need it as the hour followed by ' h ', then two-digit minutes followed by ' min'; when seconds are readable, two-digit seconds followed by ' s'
9 h 17 min
